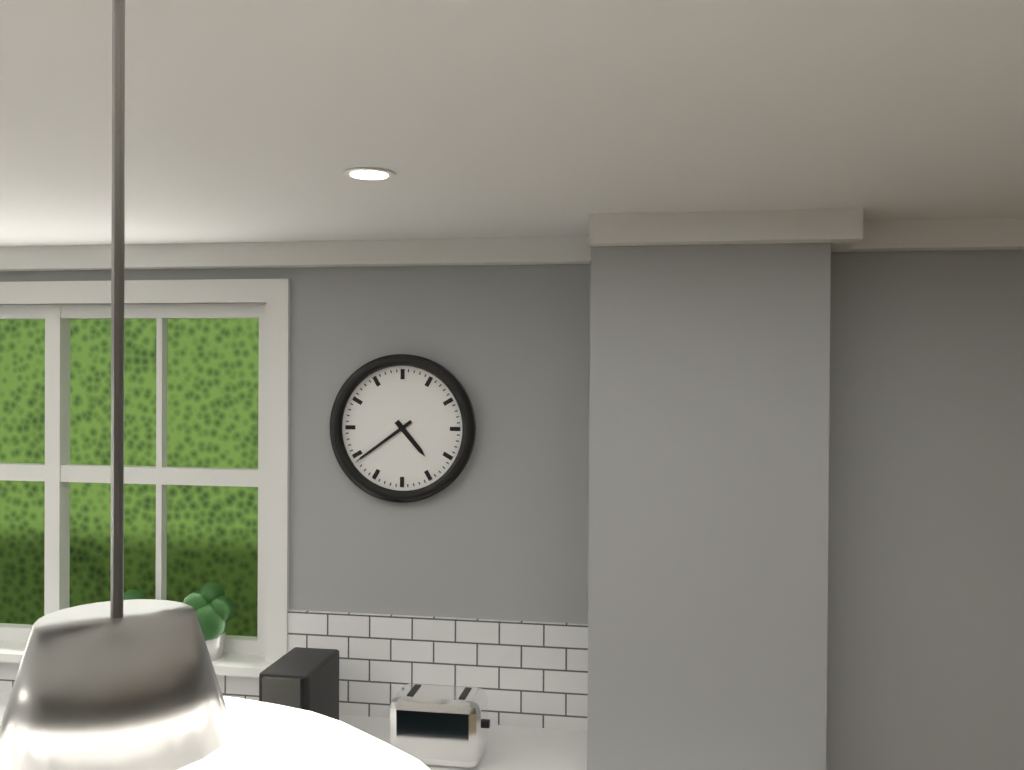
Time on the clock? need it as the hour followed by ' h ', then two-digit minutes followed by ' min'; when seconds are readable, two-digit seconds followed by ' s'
4 h 39 min
